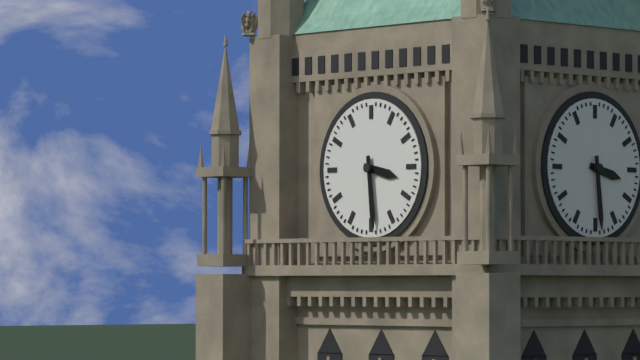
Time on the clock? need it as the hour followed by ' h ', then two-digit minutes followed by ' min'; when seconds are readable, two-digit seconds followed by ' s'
3 h 29 min
